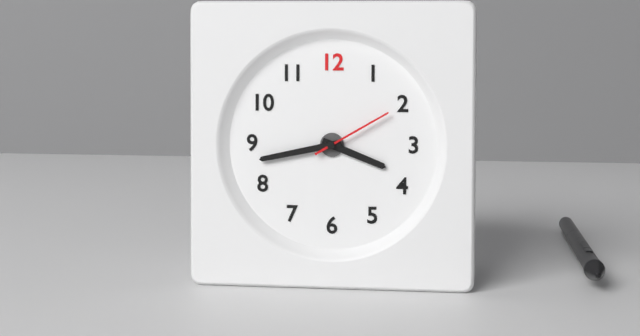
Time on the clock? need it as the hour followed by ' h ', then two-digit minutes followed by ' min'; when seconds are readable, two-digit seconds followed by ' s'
3 h 43 min 10 s
